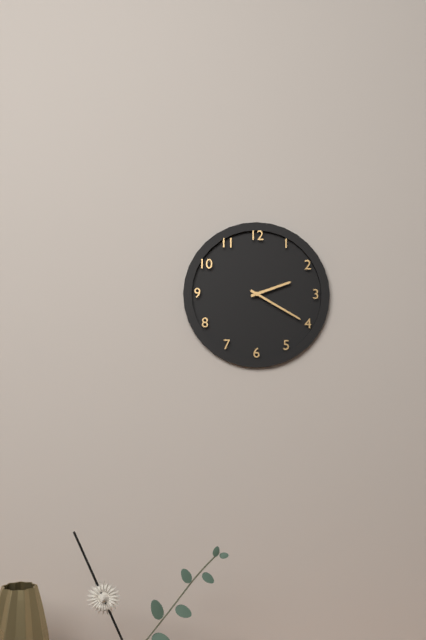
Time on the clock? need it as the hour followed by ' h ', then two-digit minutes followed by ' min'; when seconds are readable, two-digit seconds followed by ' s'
2 h 20 min
